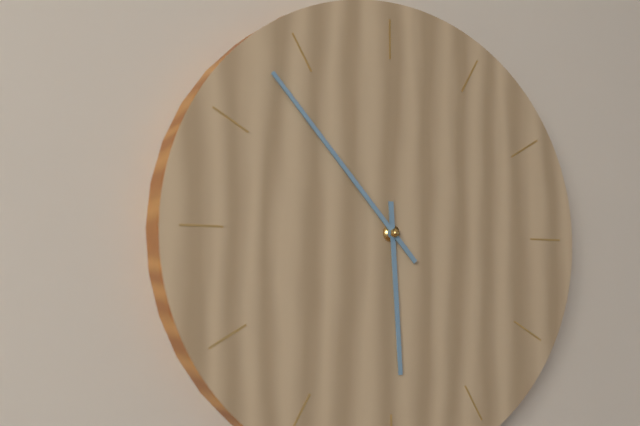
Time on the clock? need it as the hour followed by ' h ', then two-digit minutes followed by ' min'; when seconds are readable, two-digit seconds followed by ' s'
5 h 53 min
